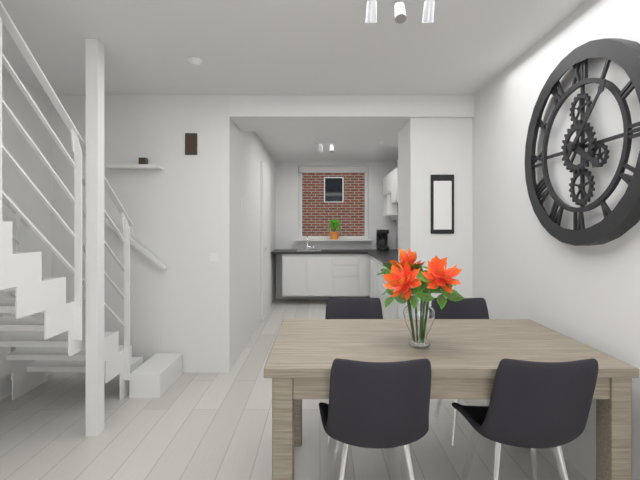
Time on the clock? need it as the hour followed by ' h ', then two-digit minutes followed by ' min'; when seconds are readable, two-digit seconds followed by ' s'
4 h 07 min
